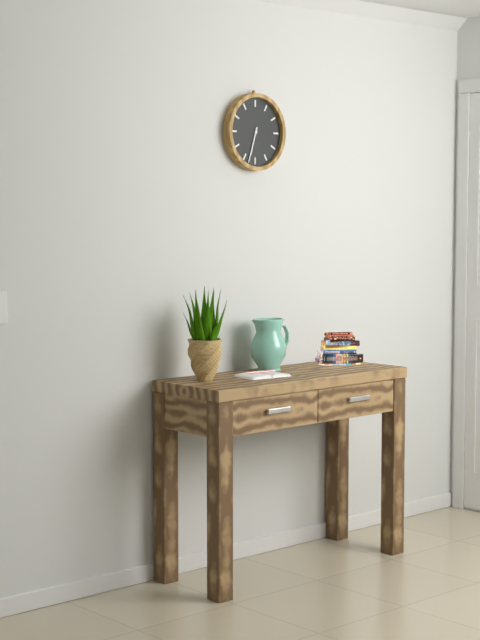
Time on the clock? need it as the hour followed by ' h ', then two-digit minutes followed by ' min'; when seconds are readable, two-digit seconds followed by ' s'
6 h 33 min
